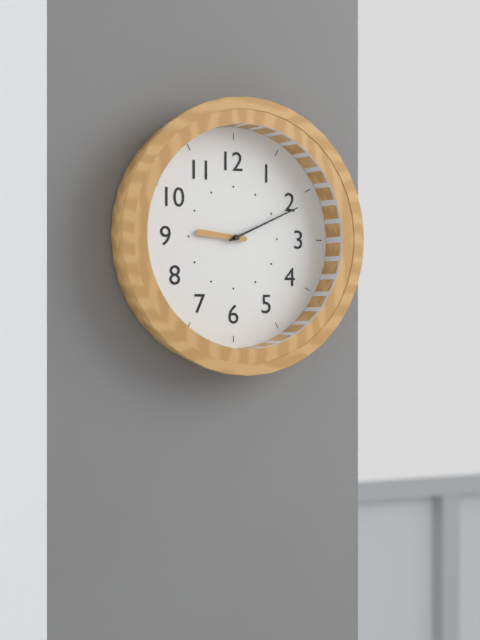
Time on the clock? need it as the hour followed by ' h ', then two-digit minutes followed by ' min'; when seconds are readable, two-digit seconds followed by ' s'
9 h 11 min
